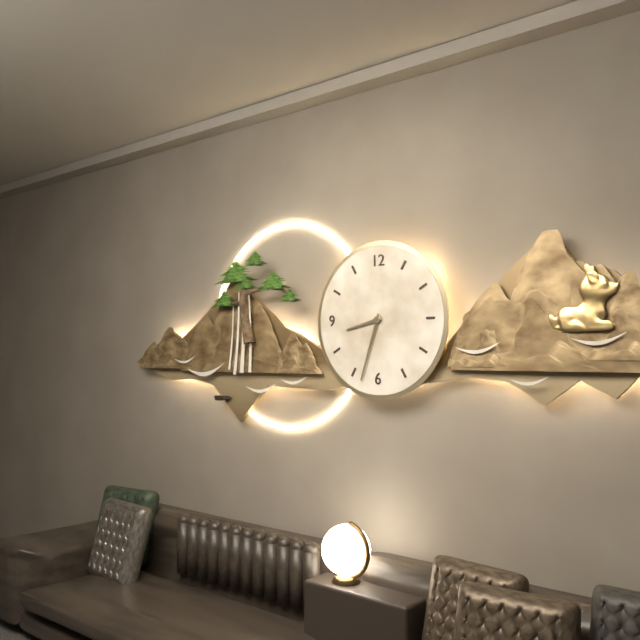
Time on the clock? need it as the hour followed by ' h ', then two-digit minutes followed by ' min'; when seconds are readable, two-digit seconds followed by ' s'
8 h 33 min
